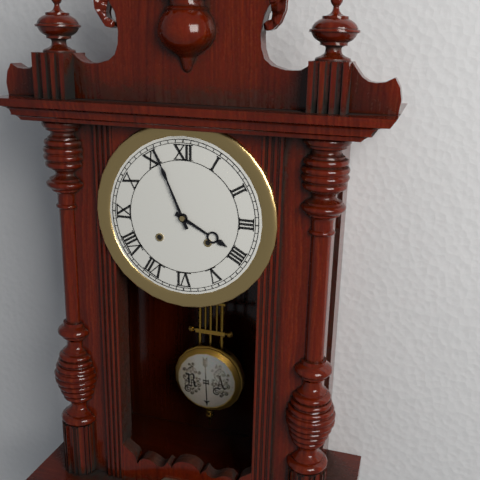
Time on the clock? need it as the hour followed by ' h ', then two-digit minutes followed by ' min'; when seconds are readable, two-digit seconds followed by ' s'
3 h 56 min
